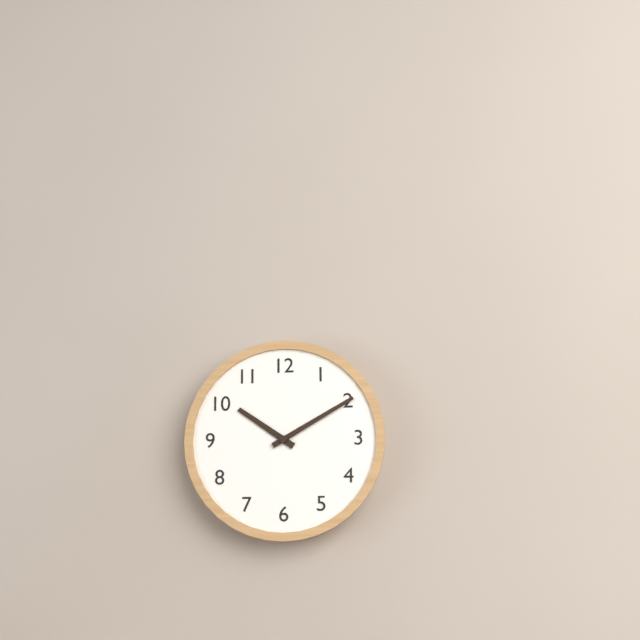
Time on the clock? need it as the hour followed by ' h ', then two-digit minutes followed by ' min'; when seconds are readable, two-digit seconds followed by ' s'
10 h 10 min
